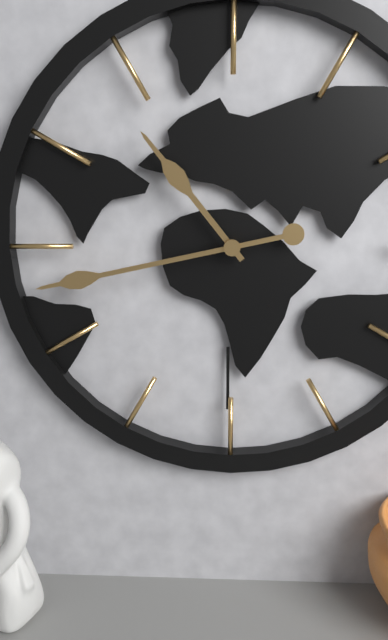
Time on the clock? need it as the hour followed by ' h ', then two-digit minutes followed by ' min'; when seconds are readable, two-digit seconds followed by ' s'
10 h 43 min
